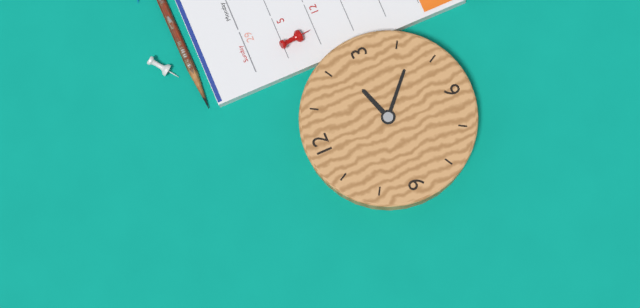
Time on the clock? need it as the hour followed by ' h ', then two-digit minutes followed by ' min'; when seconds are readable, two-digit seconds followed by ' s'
2 h 22 min
